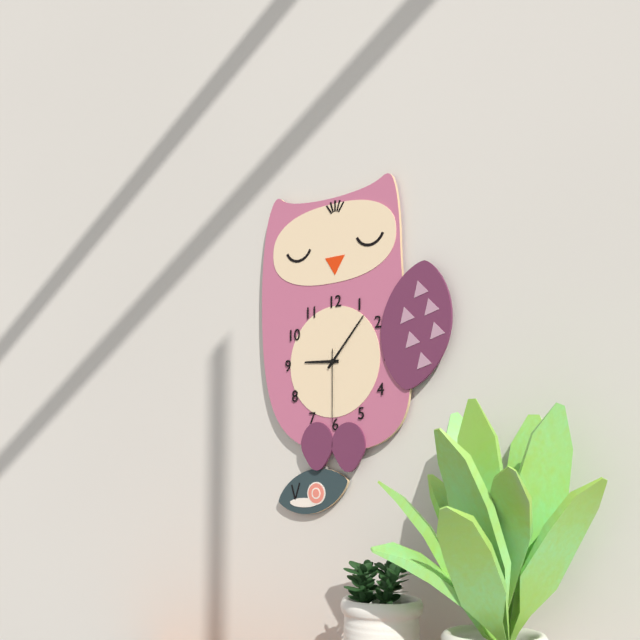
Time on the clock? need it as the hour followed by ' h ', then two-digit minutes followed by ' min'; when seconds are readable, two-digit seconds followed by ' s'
9 h 07 min 30 s
